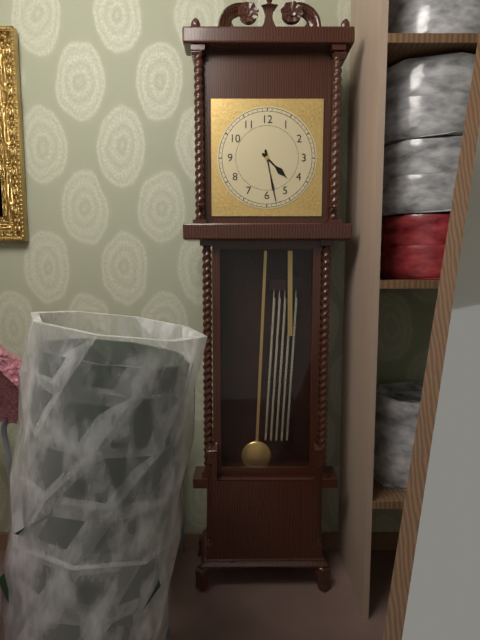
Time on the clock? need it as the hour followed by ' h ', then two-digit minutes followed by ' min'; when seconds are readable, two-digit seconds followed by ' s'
4 h 28 min
